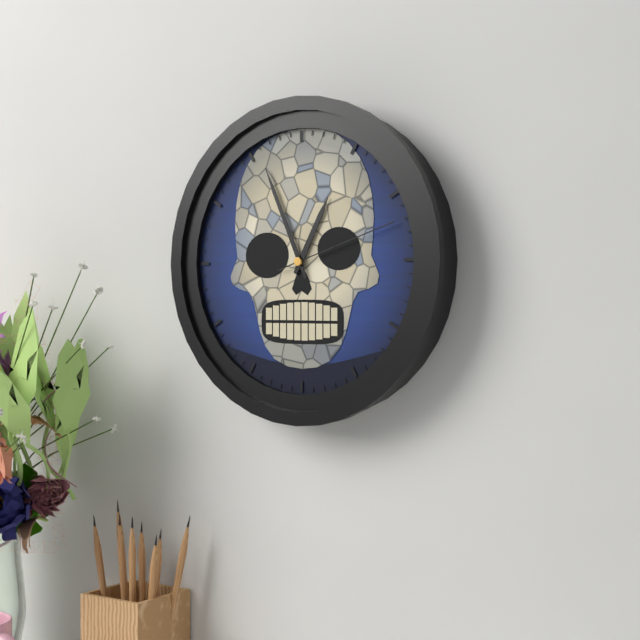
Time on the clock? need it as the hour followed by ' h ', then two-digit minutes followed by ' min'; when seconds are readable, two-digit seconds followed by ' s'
12 h 56 min 12 s
